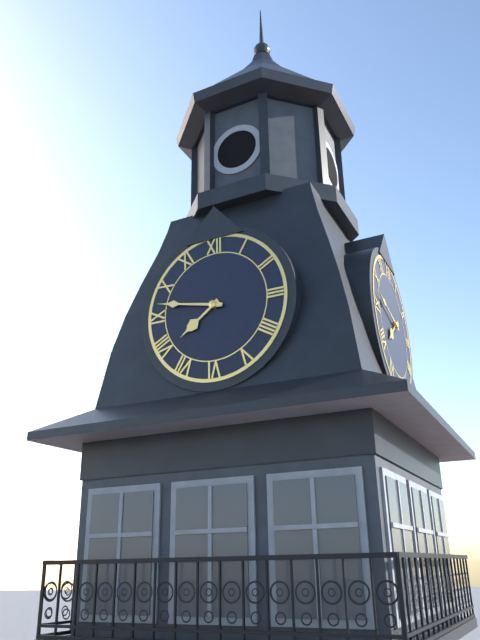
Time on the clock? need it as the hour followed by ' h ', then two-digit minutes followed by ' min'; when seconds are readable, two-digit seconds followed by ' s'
7 h 47 min
